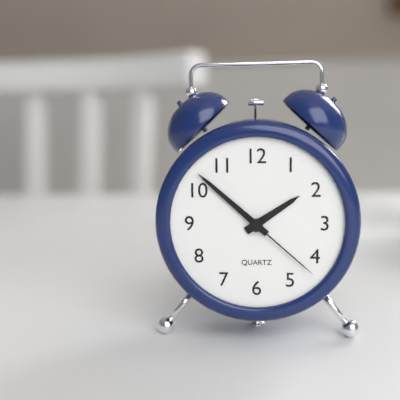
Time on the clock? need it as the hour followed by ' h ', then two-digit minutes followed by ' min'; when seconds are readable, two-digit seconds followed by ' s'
1 h 52 min 22 s
